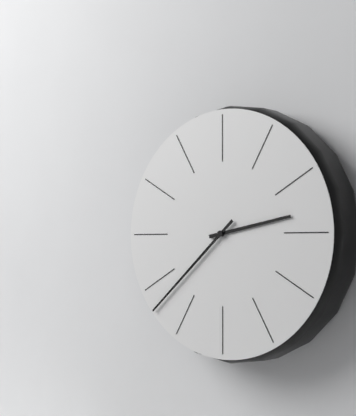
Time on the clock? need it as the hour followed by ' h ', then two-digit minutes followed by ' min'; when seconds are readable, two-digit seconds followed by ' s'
2 h 38 min
